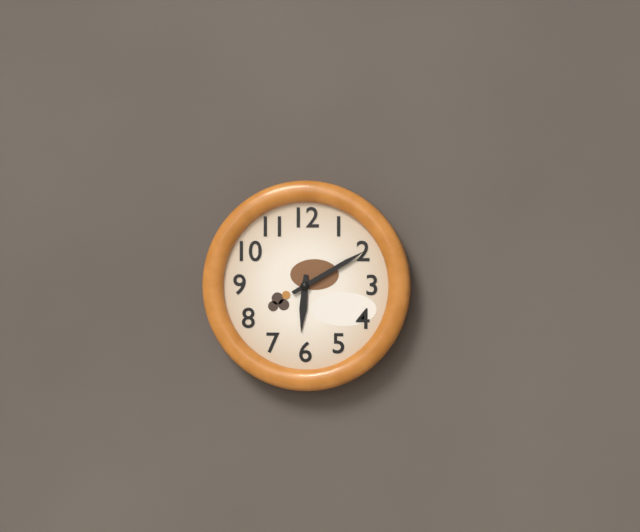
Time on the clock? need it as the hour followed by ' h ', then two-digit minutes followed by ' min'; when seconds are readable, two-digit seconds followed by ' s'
6 h 10 min
